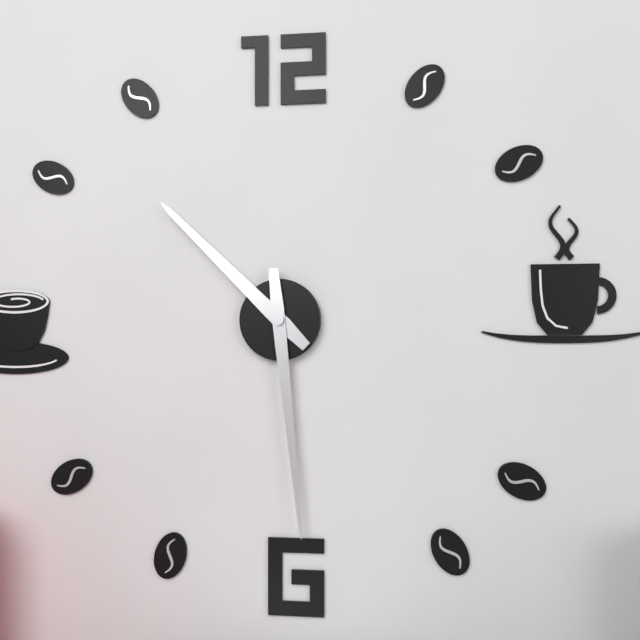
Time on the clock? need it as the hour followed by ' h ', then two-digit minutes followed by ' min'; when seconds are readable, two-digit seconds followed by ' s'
10 h 29 min
